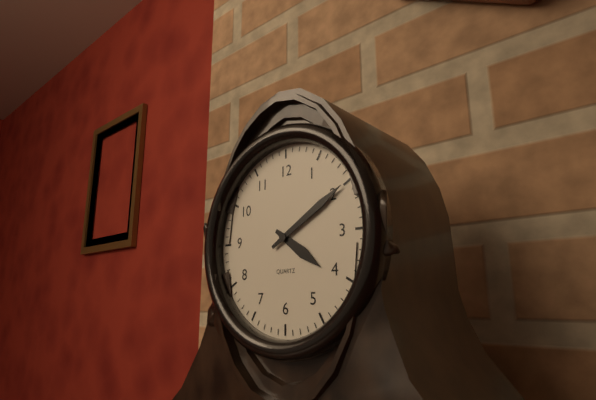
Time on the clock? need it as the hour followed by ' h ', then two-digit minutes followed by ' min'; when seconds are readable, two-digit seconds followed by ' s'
4 h 10 min
